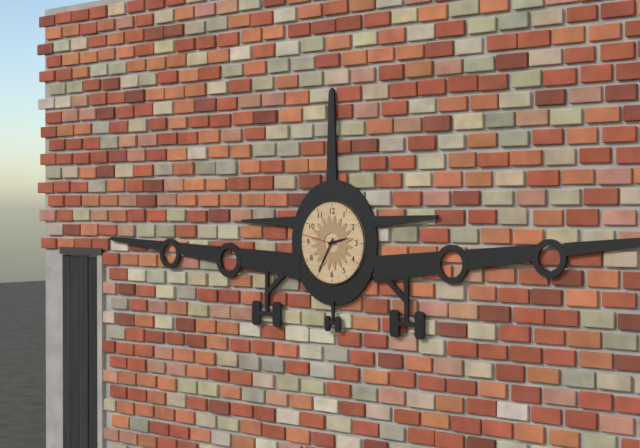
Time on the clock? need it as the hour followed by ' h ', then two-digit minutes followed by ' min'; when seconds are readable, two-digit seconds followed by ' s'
2 h 35 min
